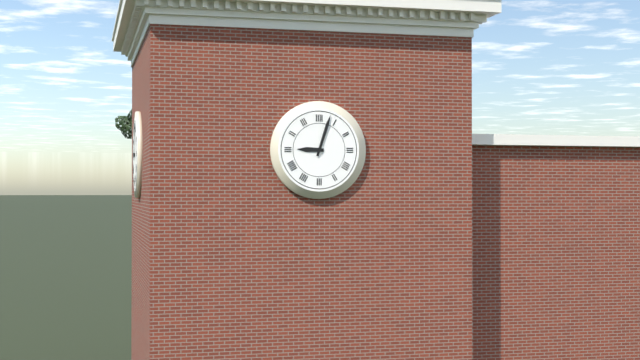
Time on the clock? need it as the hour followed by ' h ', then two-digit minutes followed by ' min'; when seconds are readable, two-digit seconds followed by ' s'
9 h 03 min
